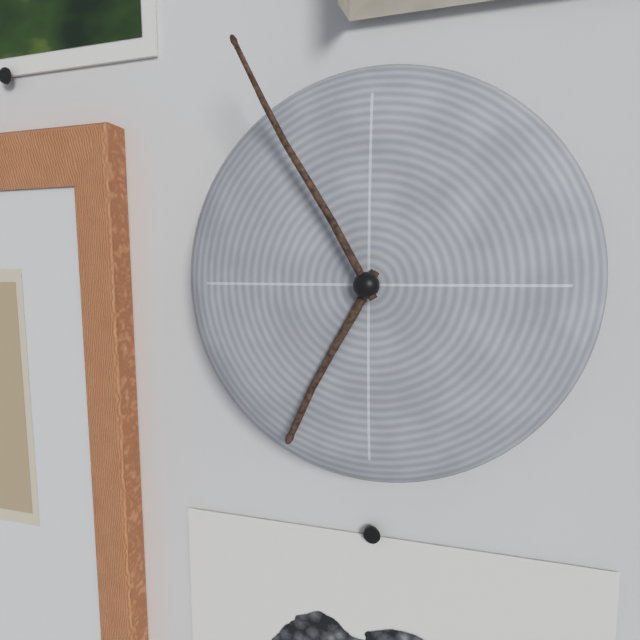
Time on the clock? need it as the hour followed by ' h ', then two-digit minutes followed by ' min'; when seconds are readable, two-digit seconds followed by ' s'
6 h 55 min
